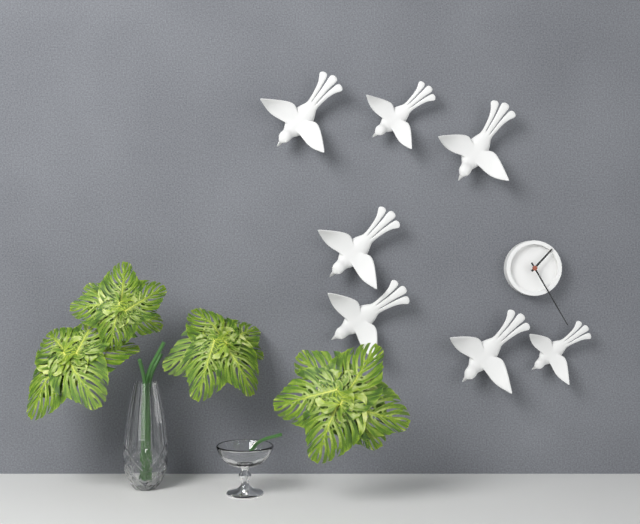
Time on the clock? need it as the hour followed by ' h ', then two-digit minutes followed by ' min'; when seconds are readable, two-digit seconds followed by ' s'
1 h 25 min
